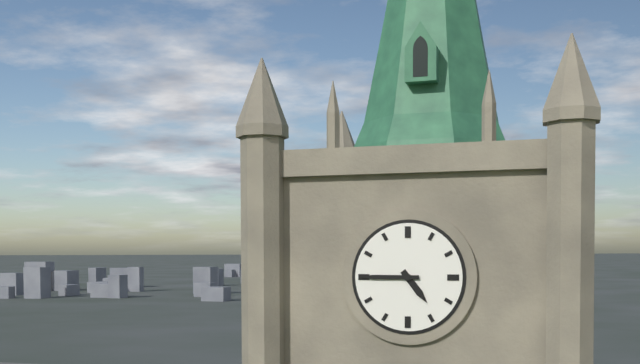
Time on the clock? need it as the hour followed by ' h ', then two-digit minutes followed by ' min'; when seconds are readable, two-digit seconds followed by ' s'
4 h 45 min
